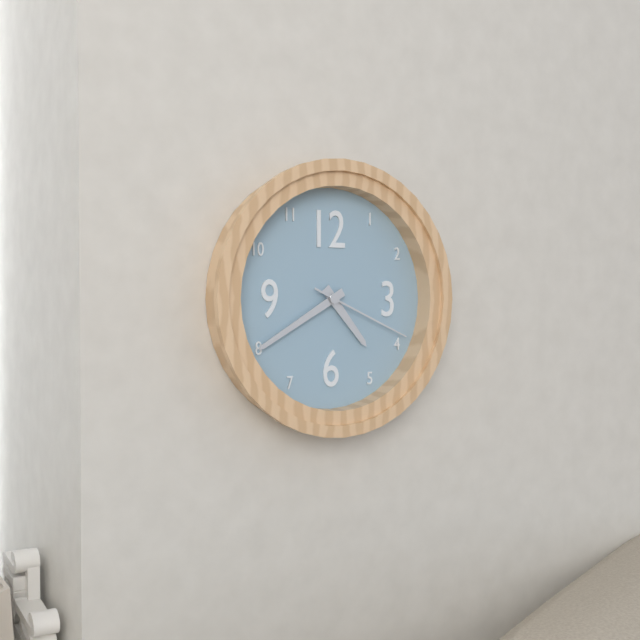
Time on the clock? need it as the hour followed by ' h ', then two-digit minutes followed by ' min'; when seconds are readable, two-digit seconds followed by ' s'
4 h 40 min 19 s
